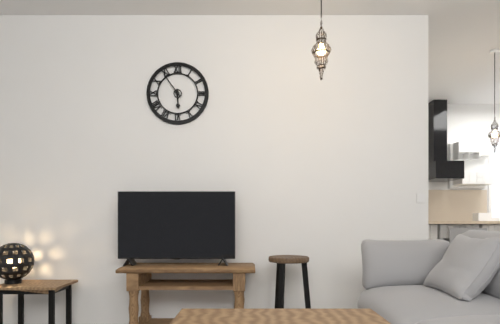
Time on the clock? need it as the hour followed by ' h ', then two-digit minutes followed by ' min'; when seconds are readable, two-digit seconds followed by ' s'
5 h 54 min
